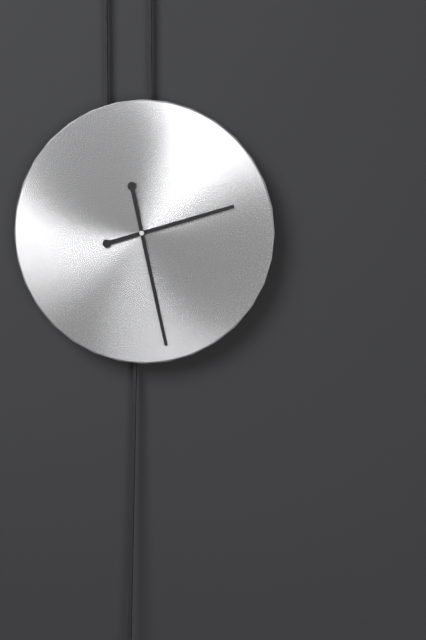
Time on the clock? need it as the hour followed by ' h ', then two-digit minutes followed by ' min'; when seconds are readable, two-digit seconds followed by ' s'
2 h 28 min
